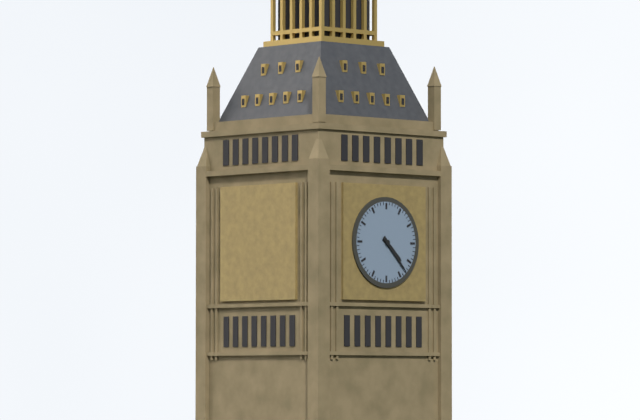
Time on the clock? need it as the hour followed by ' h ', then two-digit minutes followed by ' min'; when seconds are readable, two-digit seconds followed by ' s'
4 h 23 min
